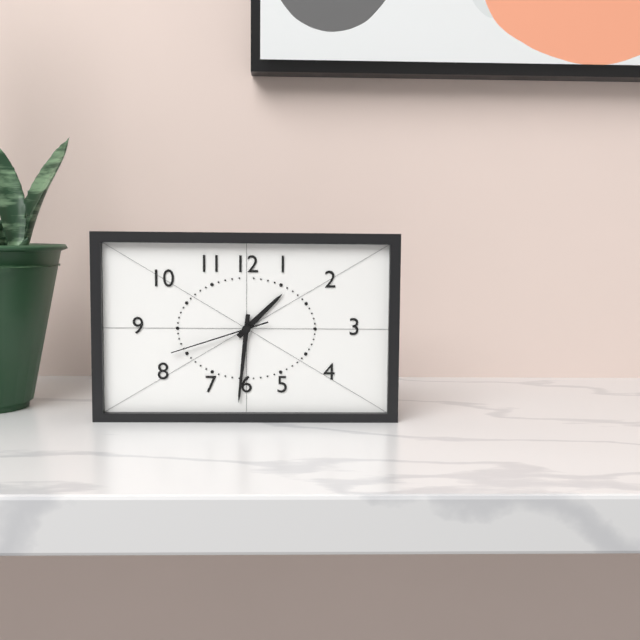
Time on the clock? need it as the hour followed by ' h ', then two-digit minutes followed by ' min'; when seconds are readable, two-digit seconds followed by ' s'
1 h 31 min 42 s
